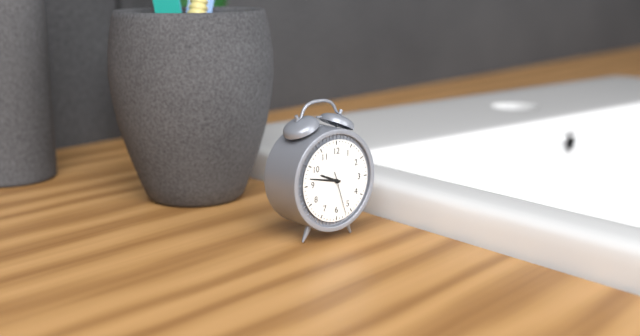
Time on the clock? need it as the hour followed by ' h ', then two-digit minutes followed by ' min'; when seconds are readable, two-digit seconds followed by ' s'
9 h 47 min
